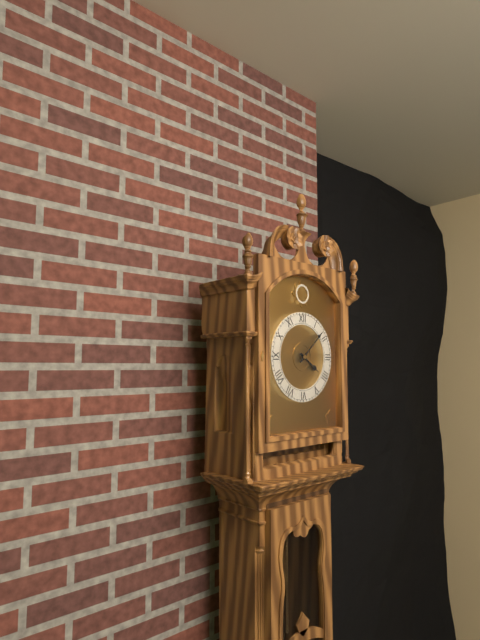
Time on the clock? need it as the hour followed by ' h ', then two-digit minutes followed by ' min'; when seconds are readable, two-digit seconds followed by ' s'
4 h 08 min
